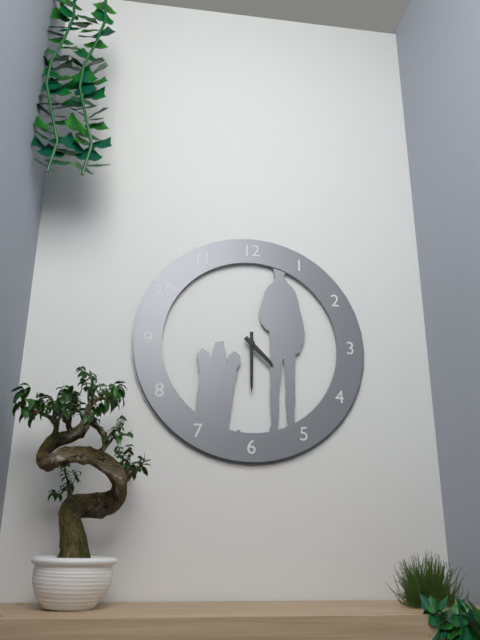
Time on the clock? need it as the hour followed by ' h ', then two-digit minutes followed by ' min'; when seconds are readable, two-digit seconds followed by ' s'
4 h 30 min
